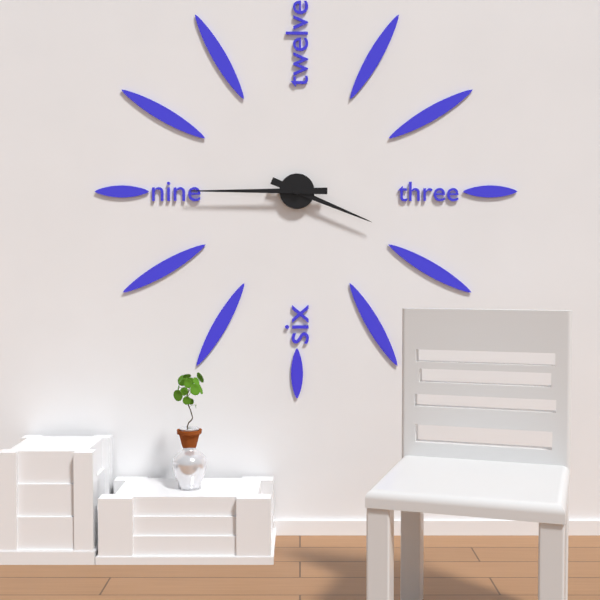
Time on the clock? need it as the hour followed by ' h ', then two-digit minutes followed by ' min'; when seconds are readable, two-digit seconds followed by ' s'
3 h 45 min
